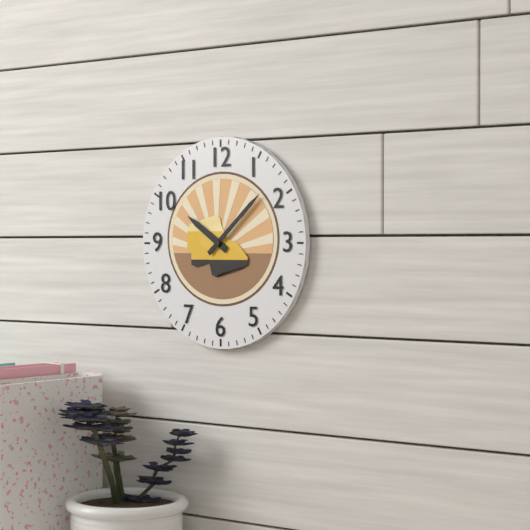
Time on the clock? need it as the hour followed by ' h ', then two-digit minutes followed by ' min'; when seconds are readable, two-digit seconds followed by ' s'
10 h 08 min
